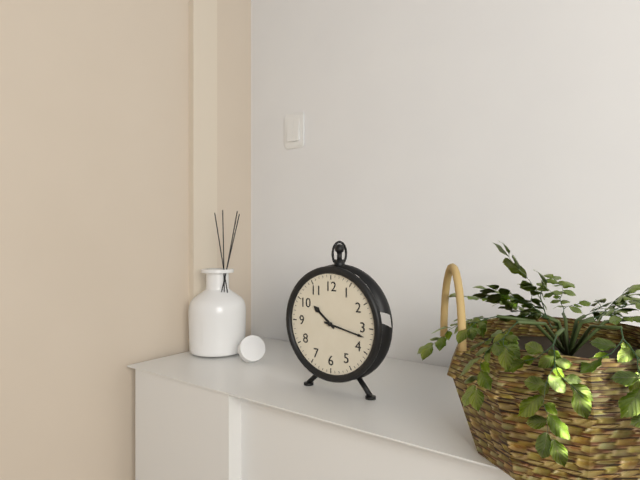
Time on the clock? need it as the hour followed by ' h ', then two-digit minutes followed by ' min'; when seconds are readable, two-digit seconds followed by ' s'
10 h 17 min
